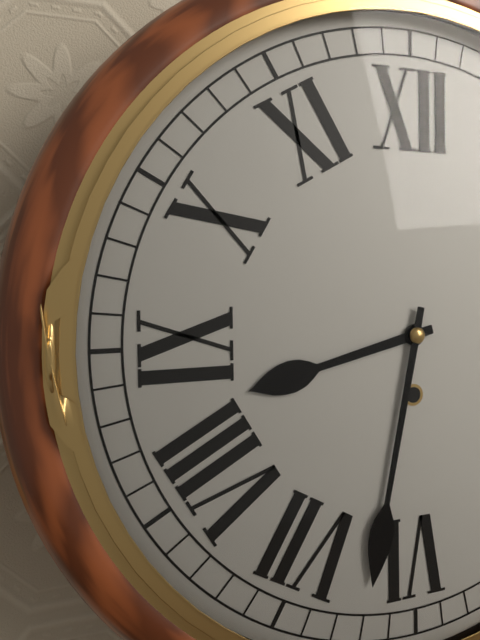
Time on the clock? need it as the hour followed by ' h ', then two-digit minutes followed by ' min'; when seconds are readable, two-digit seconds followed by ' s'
8 h 32 min
